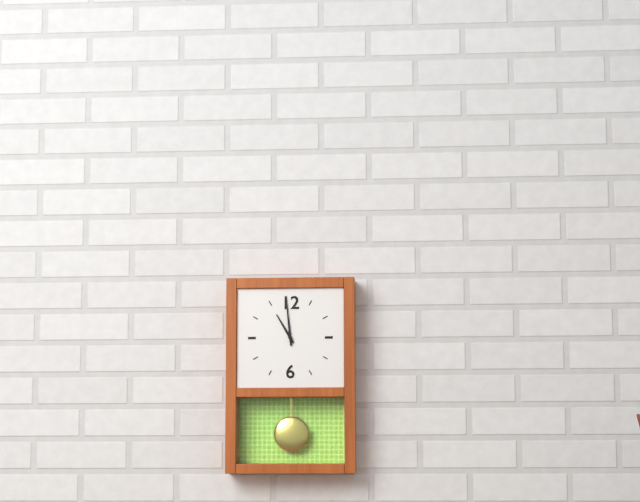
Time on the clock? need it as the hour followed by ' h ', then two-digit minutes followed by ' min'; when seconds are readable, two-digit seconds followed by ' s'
10 h 59 min
